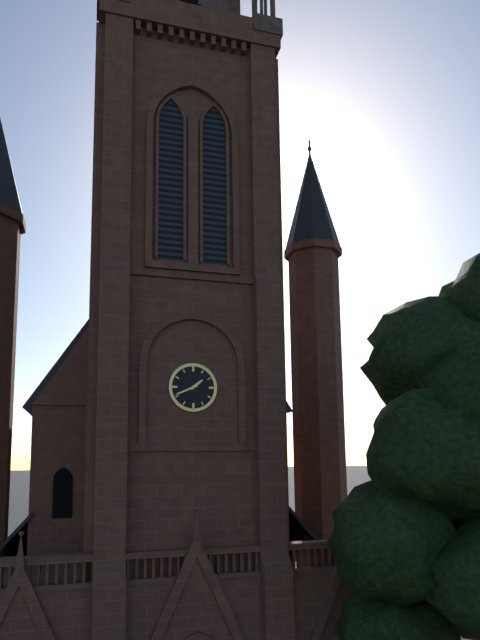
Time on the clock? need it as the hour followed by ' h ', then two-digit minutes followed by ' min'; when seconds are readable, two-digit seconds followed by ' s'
1 h 41 min
